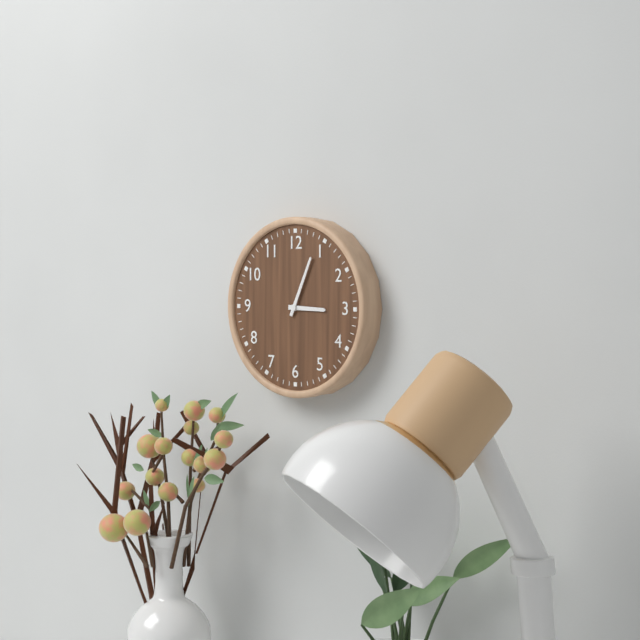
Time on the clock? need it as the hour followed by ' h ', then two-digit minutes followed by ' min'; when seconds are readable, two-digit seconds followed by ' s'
3 h 04 min
